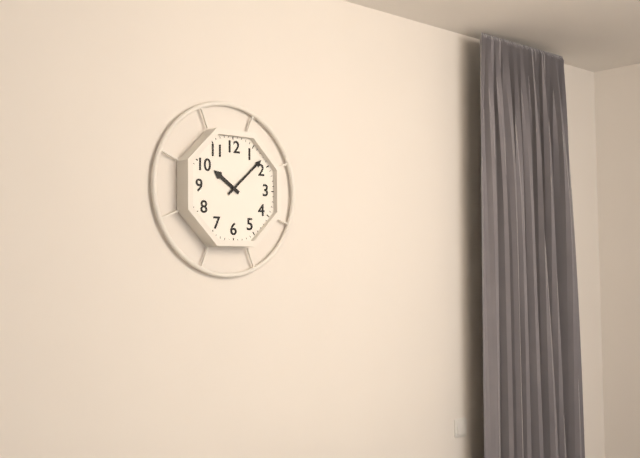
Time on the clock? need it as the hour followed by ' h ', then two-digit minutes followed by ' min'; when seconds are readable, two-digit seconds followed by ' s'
10 h 08 min
